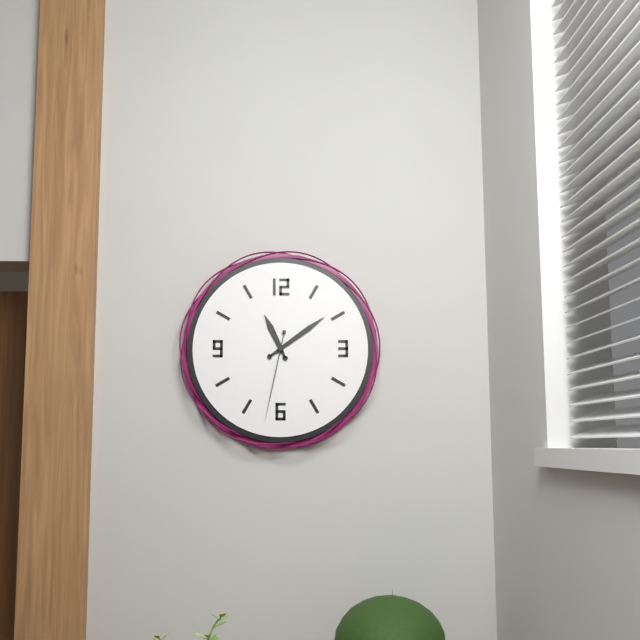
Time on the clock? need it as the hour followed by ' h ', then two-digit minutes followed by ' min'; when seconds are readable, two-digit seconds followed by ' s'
11 h 09 min 32 s
